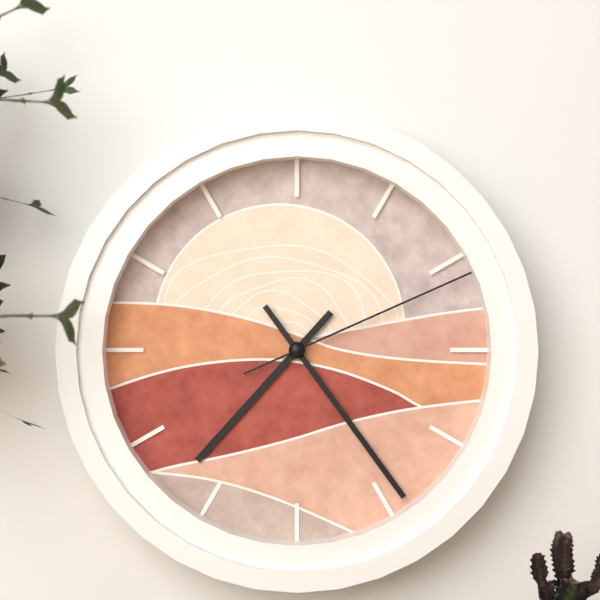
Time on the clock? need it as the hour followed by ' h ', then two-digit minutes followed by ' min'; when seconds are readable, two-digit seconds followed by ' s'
7 h 24 min 11 s
